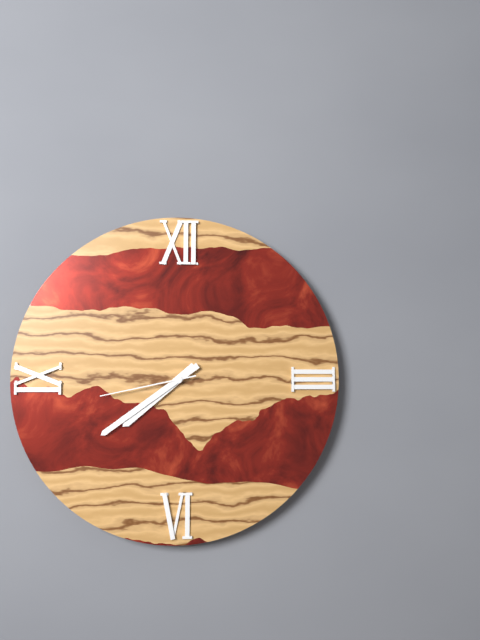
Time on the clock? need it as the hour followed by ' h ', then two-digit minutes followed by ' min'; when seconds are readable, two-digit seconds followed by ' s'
7 h 39 min 43 s
